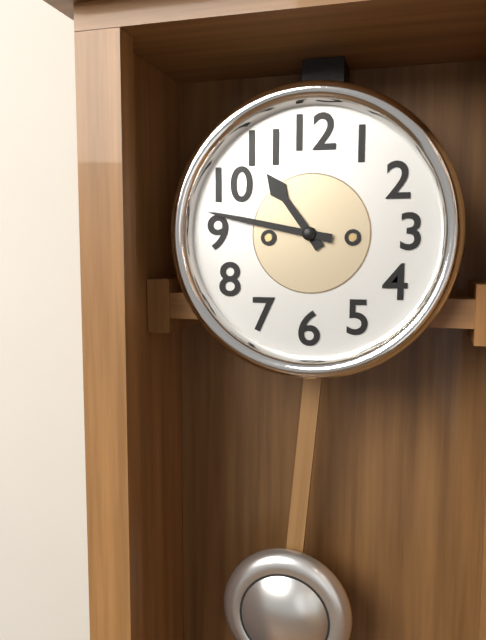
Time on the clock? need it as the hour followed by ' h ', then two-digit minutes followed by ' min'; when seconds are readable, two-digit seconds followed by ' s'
10 h 47 min
